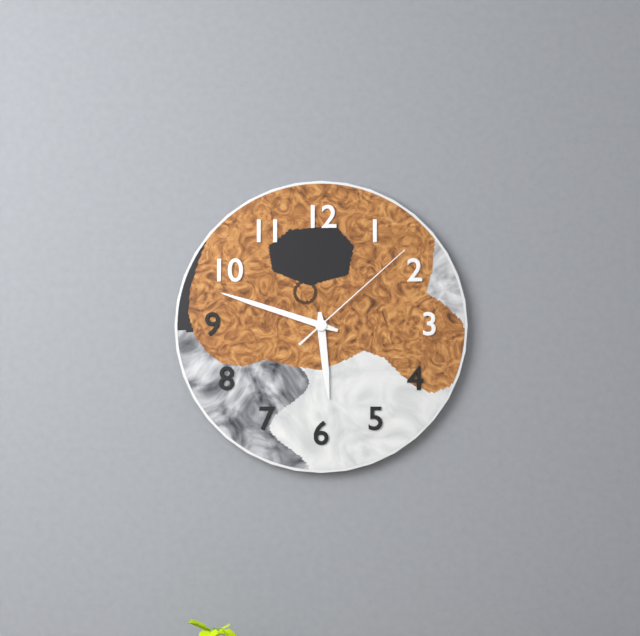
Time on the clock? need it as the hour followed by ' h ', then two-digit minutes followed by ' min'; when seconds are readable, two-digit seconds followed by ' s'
5 h 48 min 08 s
